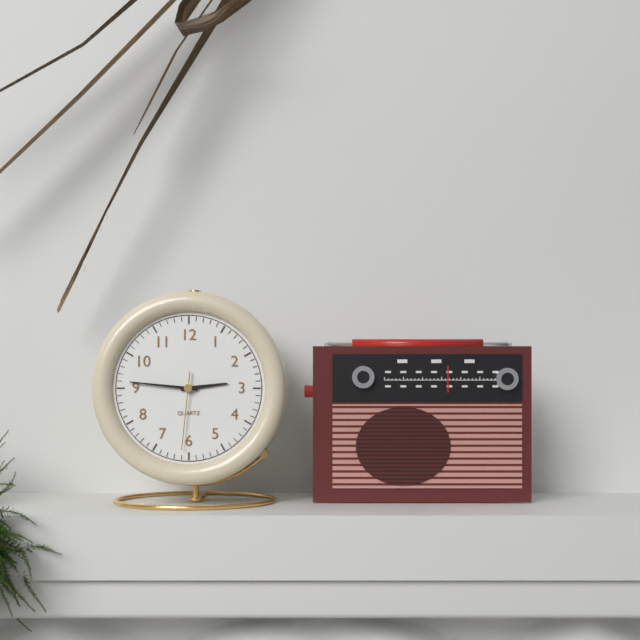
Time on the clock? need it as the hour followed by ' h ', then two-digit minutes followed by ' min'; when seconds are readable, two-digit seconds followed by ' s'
2 h 46 min 31 s
